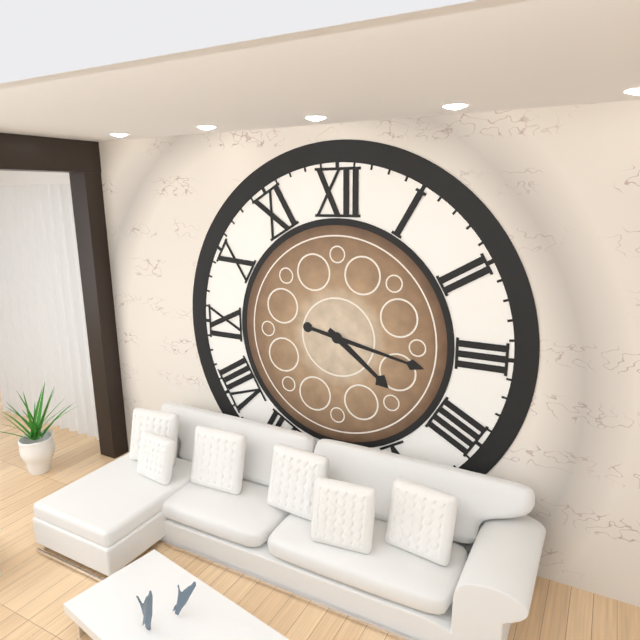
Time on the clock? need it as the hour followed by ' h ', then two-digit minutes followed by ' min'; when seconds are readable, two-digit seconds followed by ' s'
4 h 17 min
